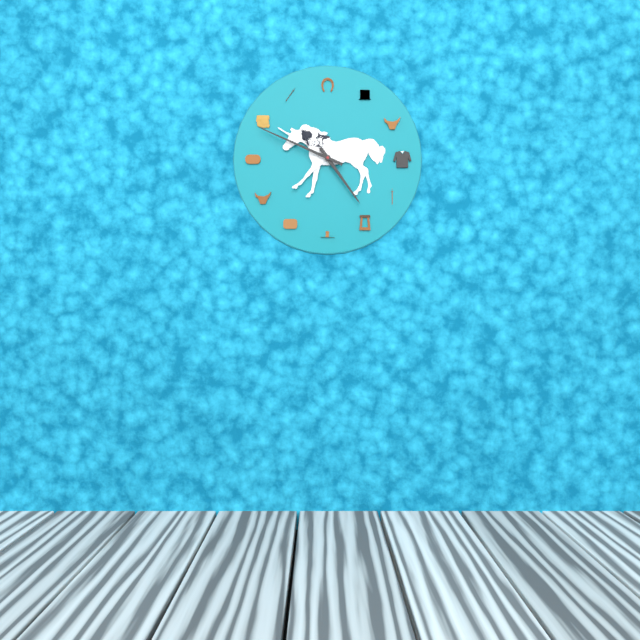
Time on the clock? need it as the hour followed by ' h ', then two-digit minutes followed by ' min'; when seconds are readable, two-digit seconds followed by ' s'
4 h 49 min
